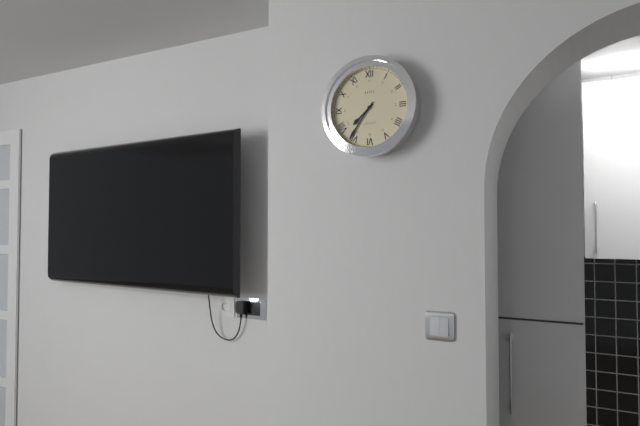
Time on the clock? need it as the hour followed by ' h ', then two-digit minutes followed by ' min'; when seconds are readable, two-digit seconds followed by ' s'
7 h 36 min
